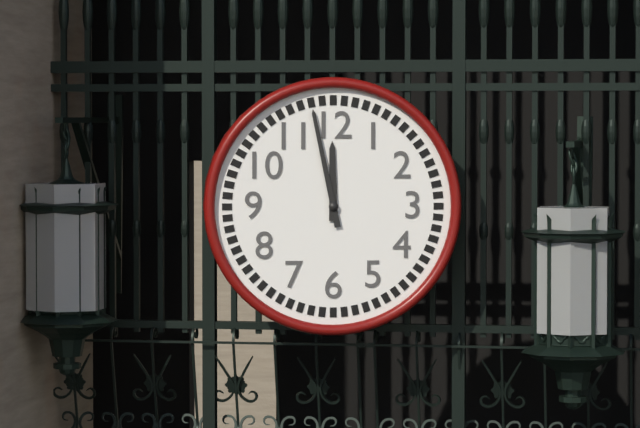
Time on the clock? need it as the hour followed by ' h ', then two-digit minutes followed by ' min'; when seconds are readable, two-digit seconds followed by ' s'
11 h 58 min
